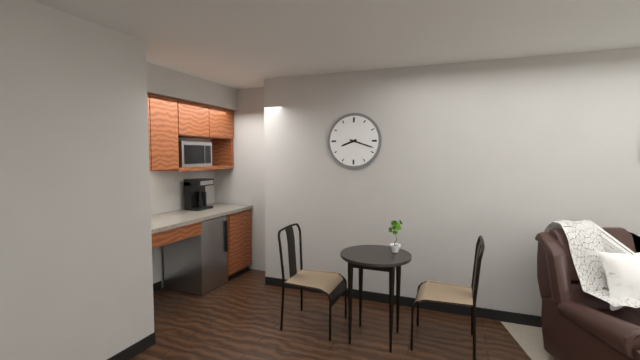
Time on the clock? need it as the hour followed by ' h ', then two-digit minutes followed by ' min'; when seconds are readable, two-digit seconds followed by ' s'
8 h 18 min
